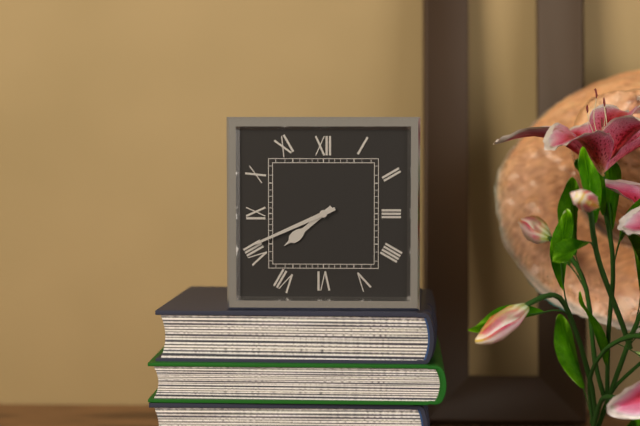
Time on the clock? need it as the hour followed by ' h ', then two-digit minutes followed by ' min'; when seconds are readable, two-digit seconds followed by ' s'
7 h 41 min
